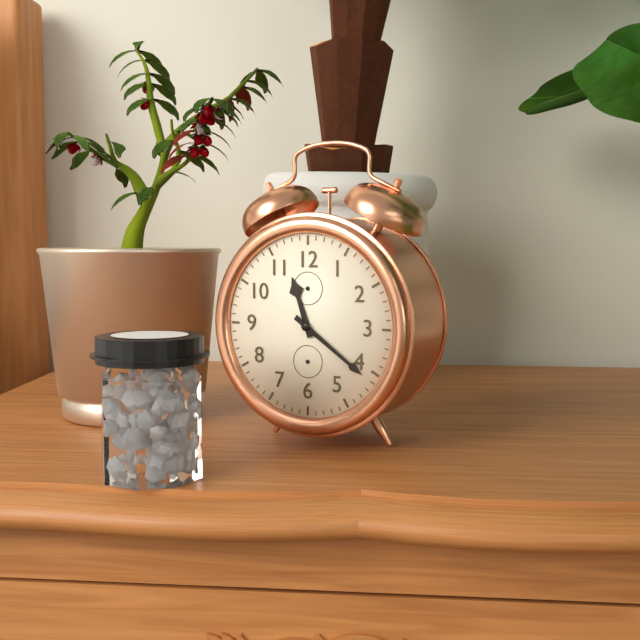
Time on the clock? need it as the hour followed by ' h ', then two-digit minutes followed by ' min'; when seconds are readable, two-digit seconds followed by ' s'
11 h 21 min
